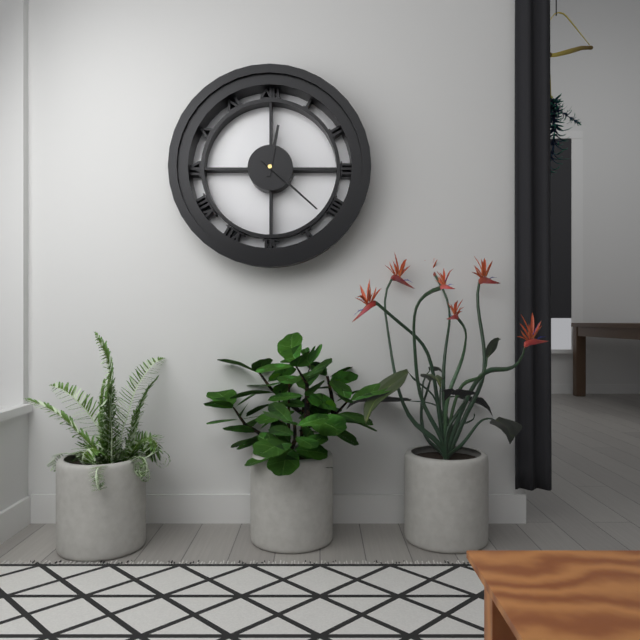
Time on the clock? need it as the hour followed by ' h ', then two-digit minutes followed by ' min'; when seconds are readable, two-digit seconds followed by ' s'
12 h 22 min
